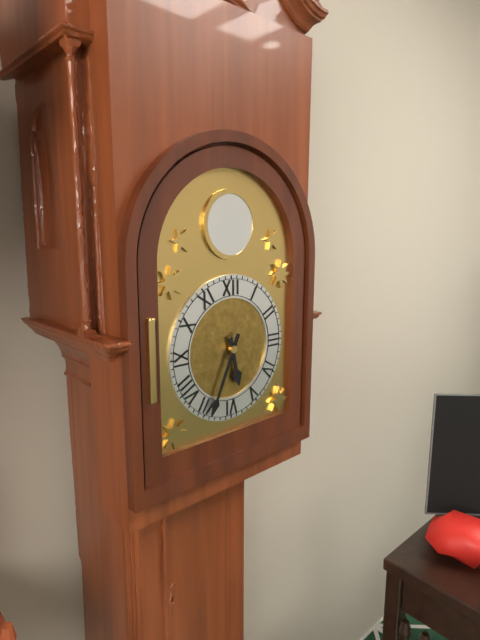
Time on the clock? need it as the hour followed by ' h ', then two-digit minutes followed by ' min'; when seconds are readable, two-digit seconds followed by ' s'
5 h 34 min
